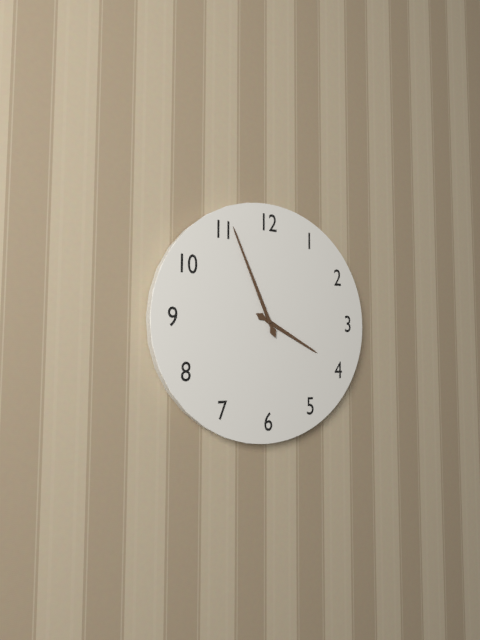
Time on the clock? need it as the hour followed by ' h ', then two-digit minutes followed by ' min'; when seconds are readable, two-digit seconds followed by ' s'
3 h 56 min
